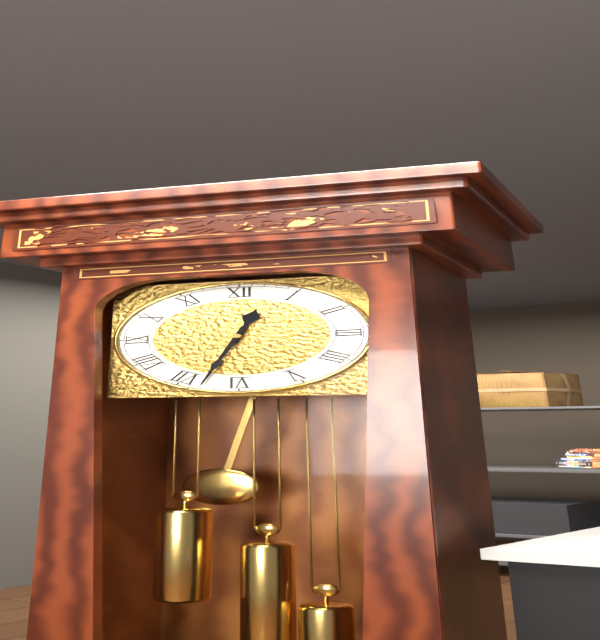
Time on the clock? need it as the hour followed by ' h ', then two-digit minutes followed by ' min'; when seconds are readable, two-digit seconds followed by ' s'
12 h 33 min
